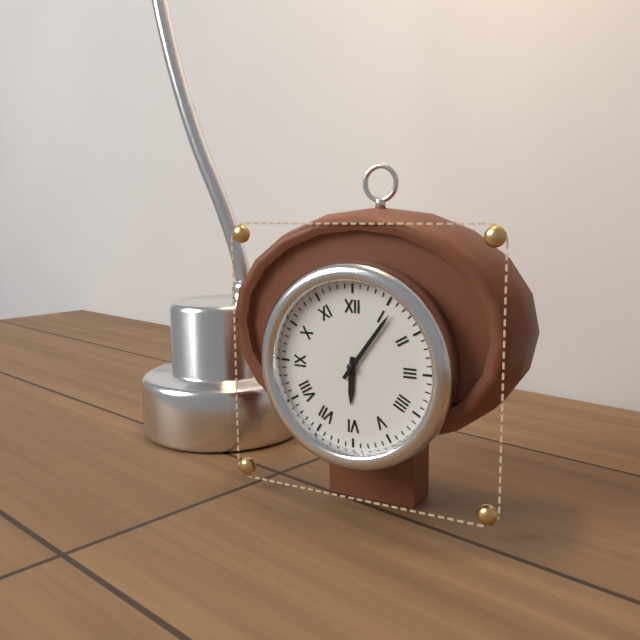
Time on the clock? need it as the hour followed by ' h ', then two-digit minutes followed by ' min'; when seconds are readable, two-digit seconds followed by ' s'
6 h 06 min
